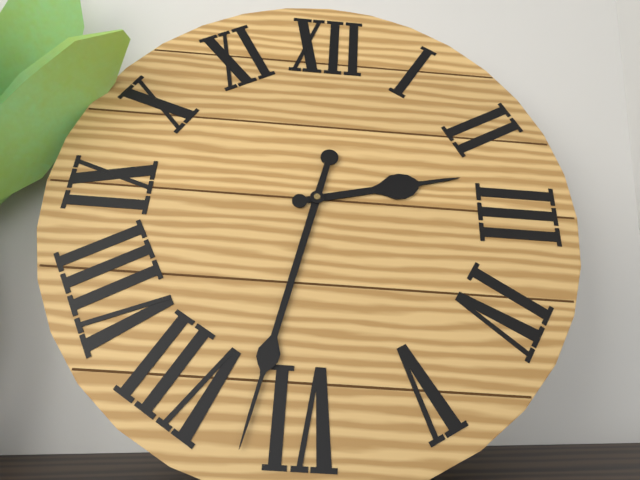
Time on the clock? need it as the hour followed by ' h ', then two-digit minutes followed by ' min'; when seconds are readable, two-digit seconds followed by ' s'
2 h 32 min
